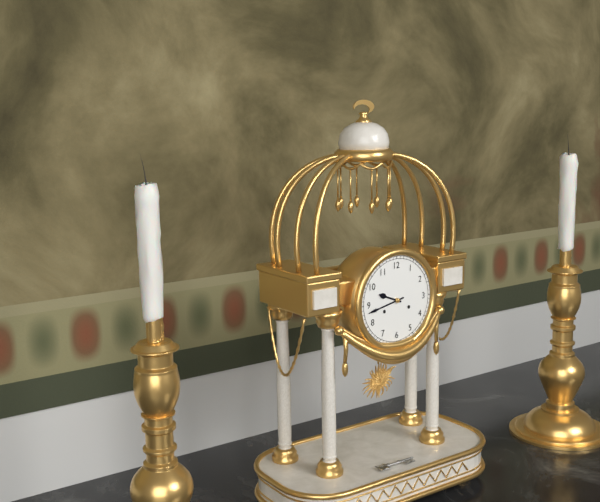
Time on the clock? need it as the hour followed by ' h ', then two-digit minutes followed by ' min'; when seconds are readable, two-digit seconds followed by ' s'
9 h 43 min
